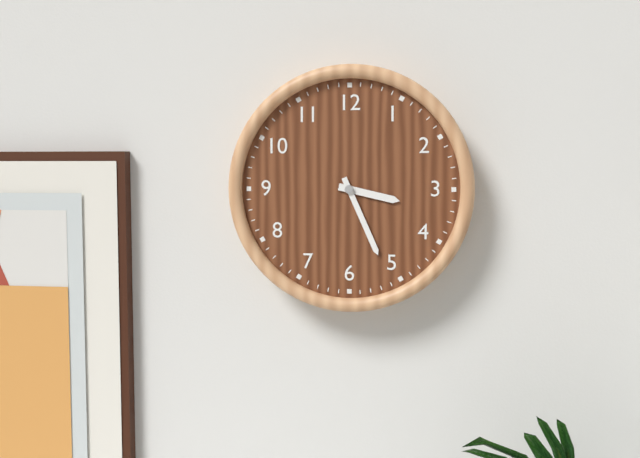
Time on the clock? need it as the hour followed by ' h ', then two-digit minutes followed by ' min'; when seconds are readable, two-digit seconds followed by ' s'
3 h 26 min
